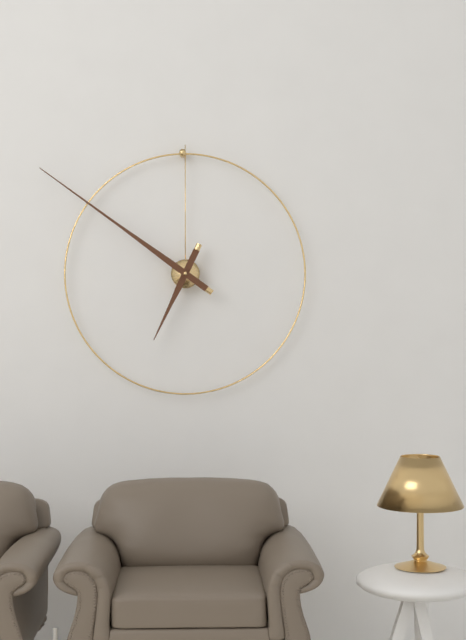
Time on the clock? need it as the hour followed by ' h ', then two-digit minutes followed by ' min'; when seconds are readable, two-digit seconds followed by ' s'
6 h 51 min
